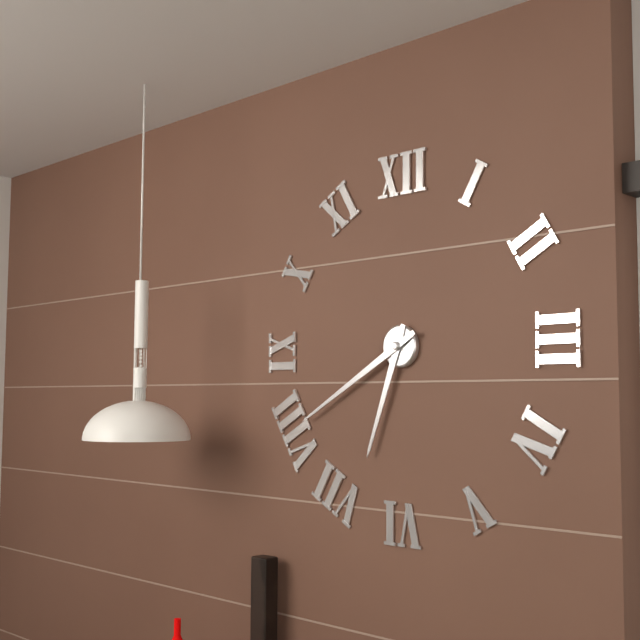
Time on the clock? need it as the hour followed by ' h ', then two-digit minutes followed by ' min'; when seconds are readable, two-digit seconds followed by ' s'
6 h 40 min
